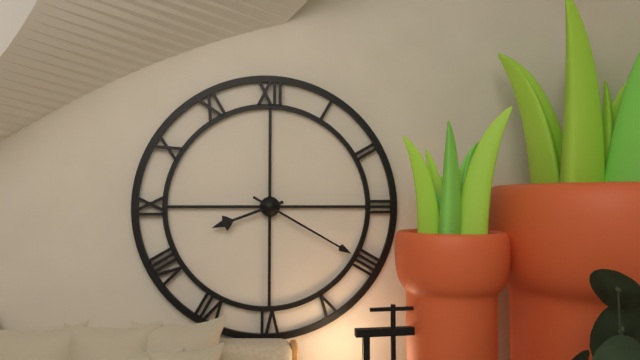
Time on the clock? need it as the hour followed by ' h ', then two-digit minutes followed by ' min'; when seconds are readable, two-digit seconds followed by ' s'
8 h 20 min
